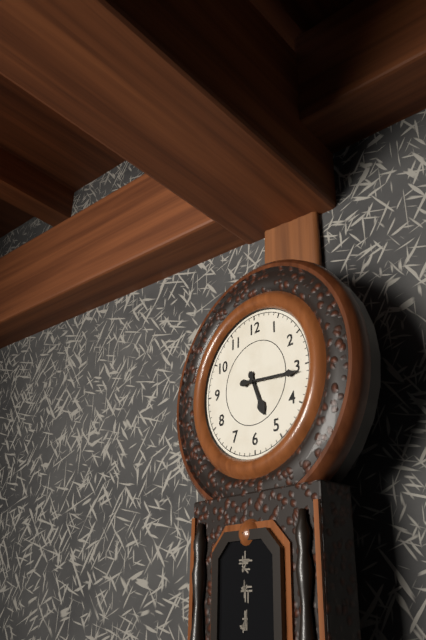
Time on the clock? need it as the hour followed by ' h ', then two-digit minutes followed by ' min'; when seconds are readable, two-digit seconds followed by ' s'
5 h 16 min
